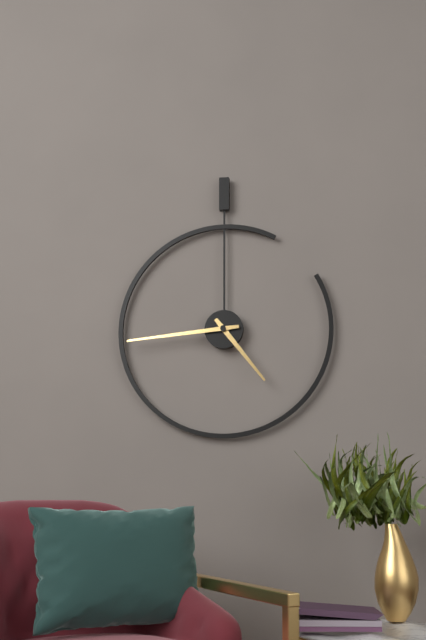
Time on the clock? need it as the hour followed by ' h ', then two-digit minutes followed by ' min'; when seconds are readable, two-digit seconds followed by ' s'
4 h 44 min
